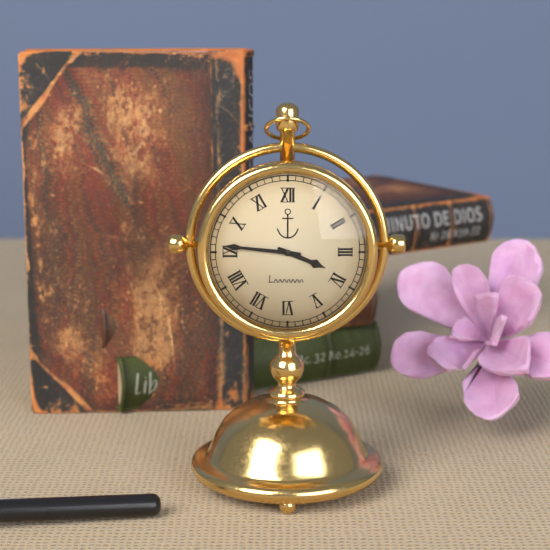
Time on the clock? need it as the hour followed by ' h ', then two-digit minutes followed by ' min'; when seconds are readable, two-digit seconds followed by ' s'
3 h 46 min
